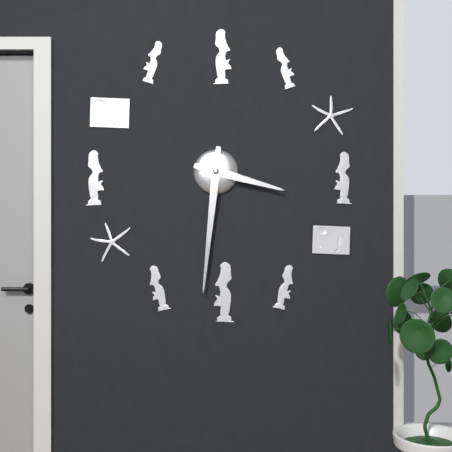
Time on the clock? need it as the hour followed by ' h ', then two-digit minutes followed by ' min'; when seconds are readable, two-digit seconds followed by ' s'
3 h 31 min
